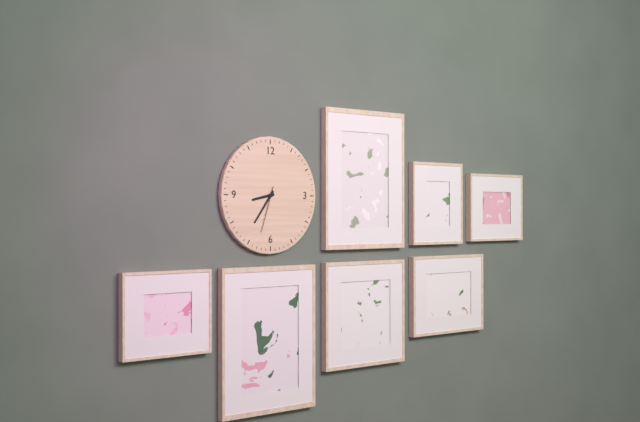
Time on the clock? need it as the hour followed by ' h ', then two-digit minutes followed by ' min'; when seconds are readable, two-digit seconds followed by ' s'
8 h 36 min
